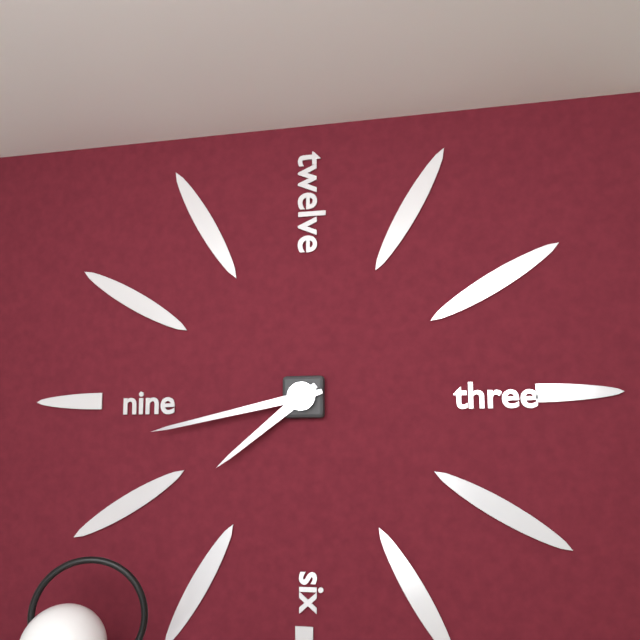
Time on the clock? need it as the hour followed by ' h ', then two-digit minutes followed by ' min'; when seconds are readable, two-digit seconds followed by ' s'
7 h 43 min
